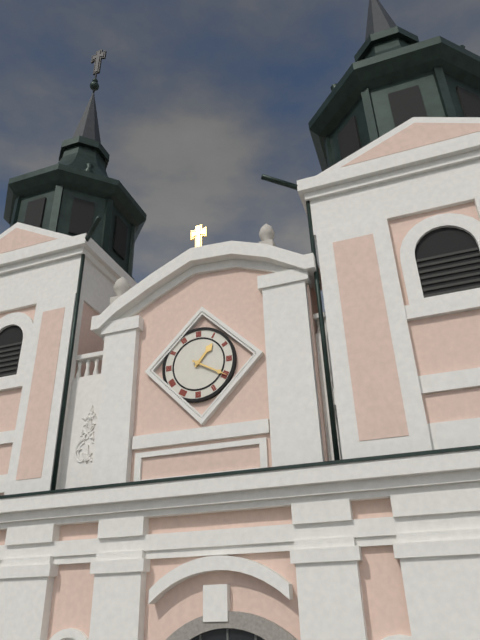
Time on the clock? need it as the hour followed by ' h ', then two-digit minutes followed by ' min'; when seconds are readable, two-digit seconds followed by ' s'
1 h 20 min
